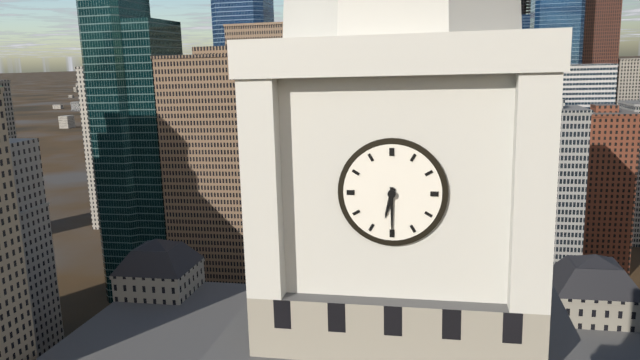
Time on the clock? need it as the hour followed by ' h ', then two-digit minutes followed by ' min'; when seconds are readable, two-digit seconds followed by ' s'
6 h 30 min
